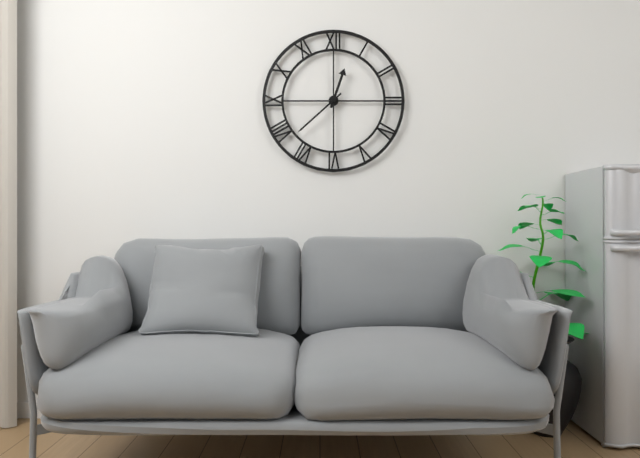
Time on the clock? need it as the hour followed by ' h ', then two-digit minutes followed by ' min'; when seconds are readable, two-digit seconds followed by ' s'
12 h 38 min
